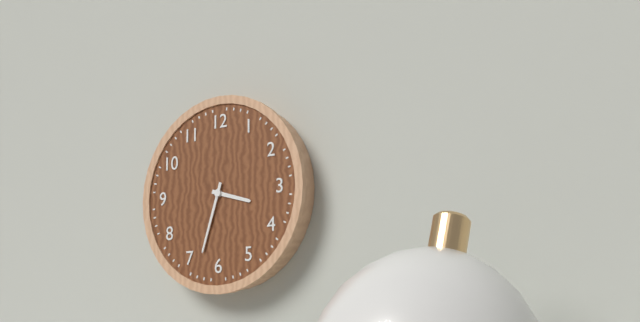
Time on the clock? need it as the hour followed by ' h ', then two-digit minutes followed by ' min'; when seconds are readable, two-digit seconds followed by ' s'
3 h 33 min
